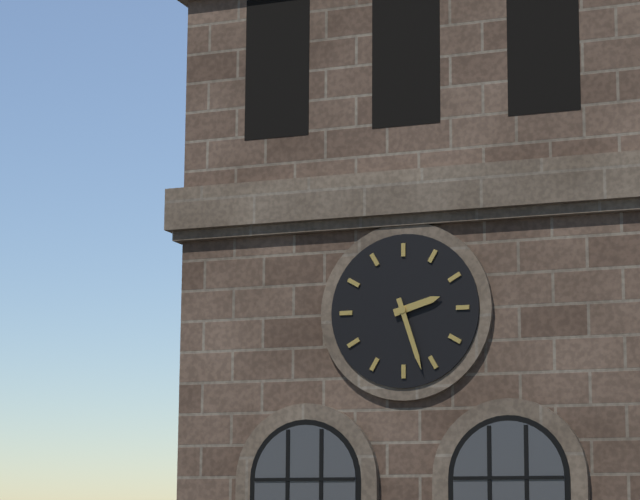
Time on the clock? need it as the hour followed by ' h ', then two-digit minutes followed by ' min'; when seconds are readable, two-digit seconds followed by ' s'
2 h 27 min
